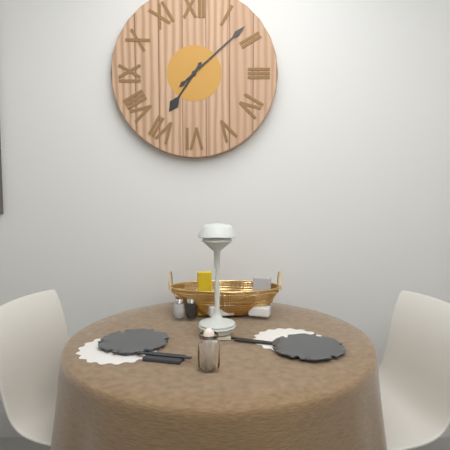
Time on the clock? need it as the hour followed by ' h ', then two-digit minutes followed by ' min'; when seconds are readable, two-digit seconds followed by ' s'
7 h 08 min
